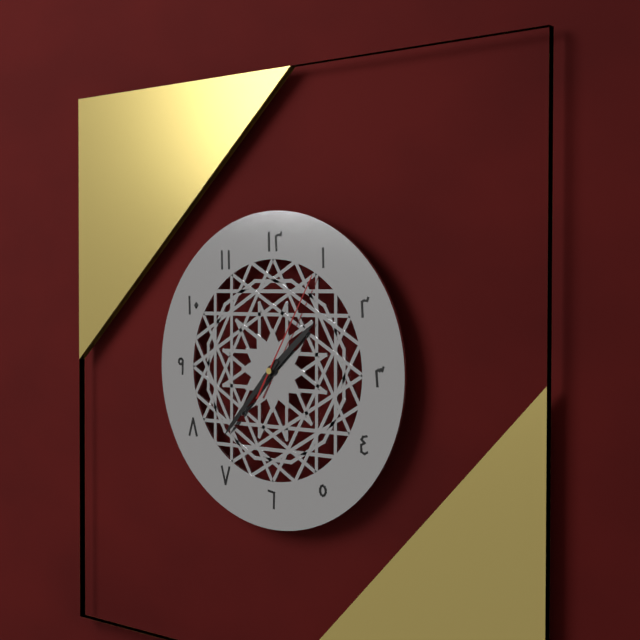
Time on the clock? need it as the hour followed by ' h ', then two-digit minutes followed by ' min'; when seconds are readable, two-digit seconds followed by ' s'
1 h 37 min 05 s
